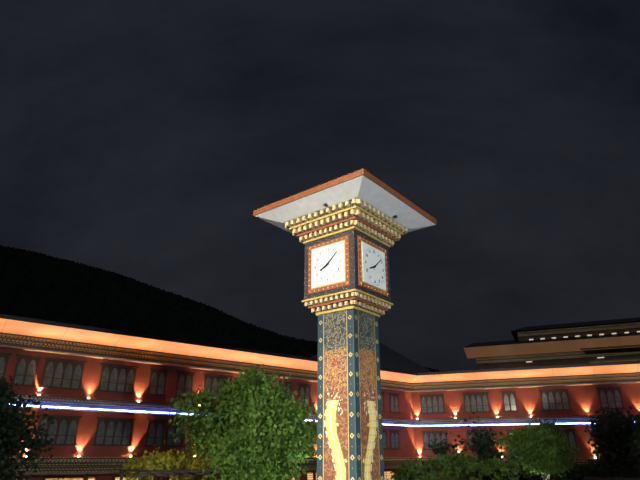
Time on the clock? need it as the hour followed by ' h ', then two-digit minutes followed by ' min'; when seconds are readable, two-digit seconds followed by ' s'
8 h 08 min
